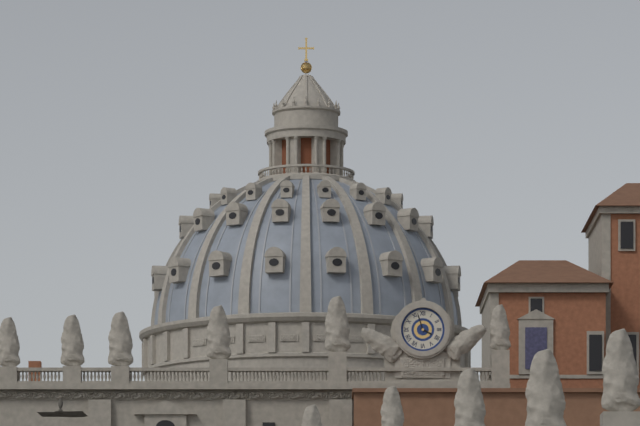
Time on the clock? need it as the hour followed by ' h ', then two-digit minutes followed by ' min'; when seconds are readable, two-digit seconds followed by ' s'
3 h 57 min
